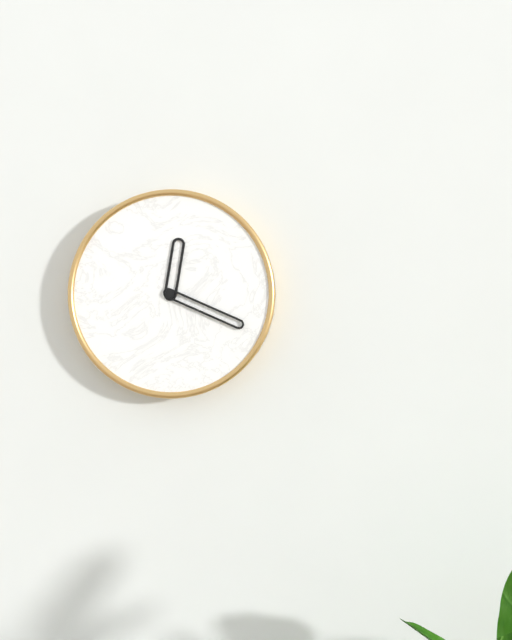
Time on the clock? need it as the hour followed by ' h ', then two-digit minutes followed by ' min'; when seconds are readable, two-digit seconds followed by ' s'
12 h 19 min
